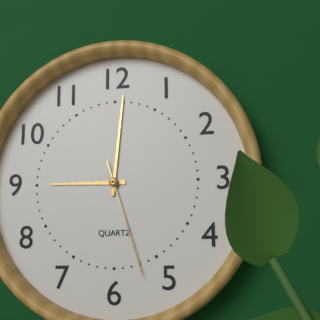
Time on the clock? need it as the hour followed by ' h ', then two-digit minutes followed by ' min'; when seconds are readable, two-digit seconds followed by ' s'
9 h 01 min 27 s
